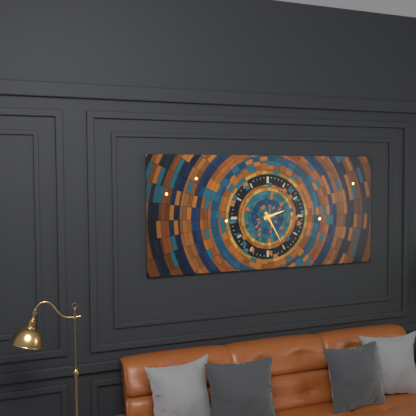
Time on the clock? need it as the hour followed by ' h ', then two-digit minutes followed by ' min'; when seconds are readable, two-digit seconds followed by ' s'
2 h 25 min
